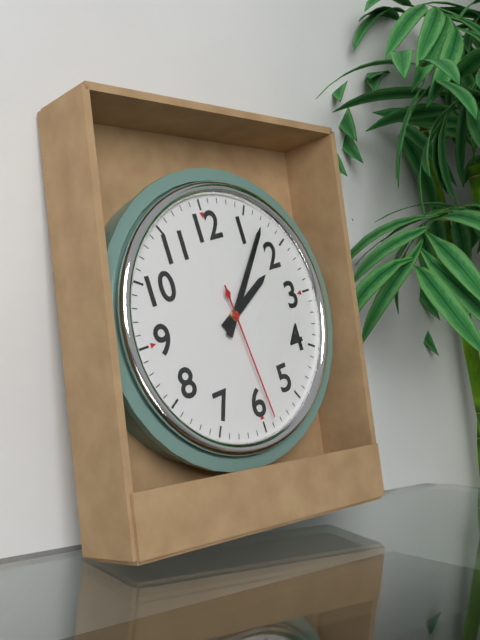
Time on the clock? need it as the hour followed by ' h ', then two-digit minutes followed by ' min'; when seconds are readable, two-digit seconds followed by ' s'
2 h 07 min 29 s
